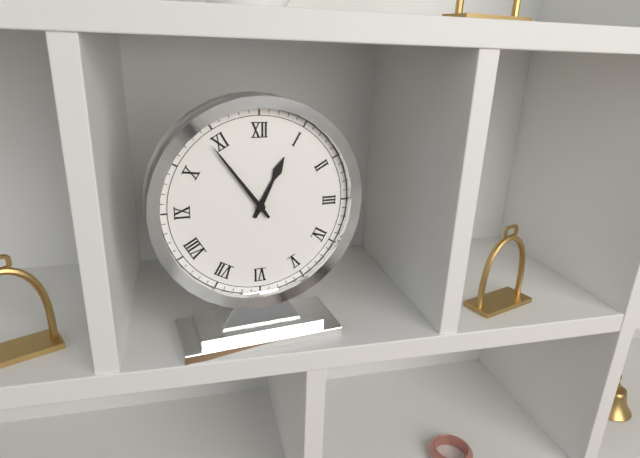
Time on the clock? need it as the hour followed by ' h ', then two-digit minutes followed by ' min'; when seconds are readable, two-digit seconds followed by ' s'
12 h 54 min
